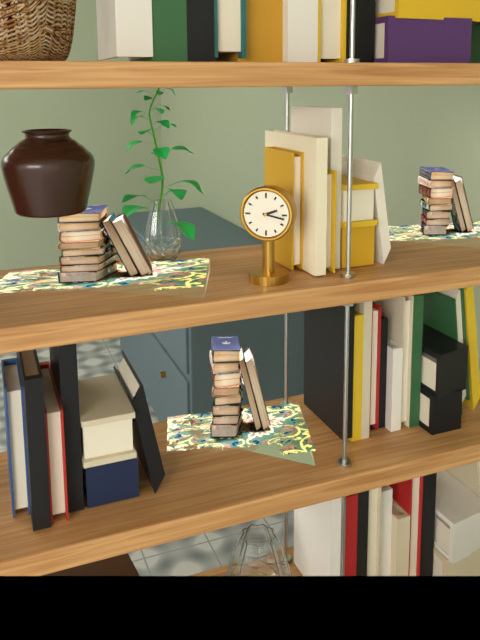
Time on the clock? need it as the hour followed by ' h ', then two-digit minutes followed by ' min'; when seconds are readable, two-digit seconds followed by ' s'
2 h 17 min
